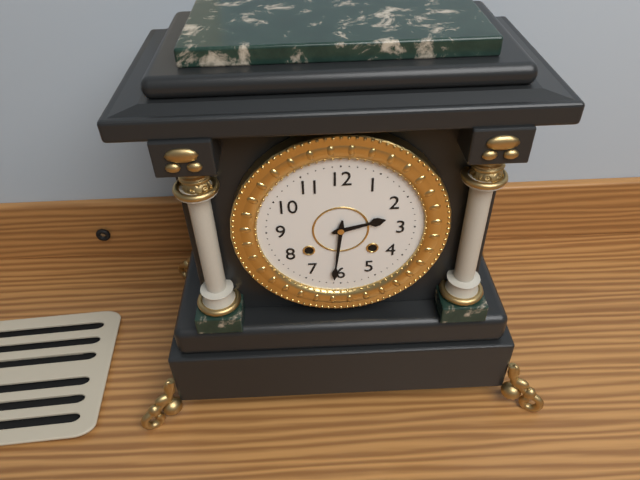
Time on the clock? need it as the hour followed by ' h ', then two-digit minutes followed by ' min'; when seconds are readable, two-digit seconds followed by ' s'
2 h 31 min
